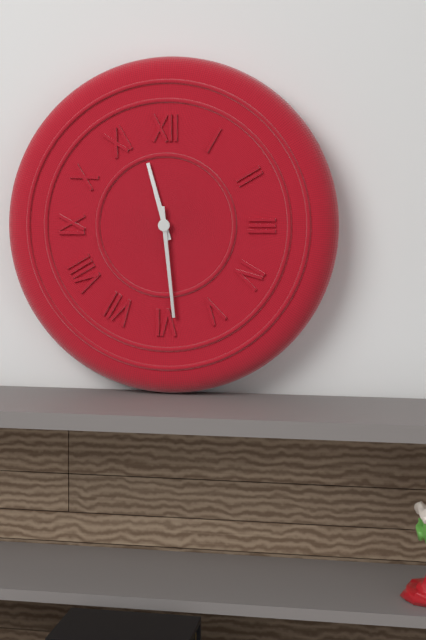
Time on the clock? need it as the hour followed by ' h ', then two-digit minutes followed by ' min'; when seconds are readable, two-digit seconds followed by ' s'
11 h 29 min
